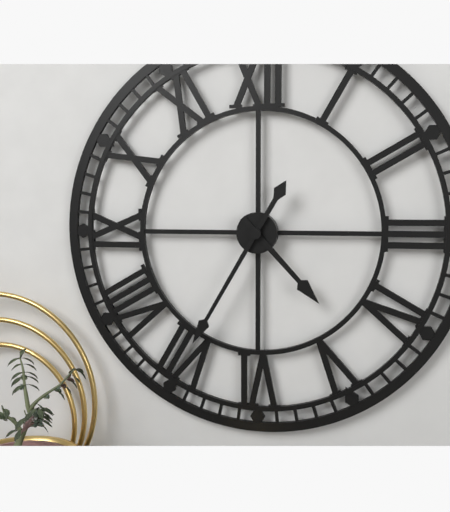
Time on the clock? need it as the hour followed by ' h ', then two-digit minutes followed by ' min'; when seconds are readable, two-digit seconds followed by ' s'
4 h 35 min
